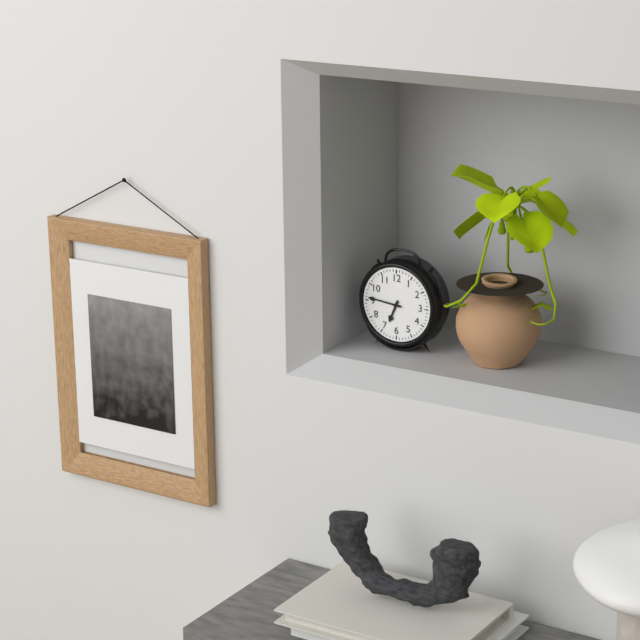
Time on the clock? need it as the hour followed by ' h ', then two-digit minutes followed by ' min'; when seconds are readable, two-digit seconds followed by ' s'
6 h 46 min
